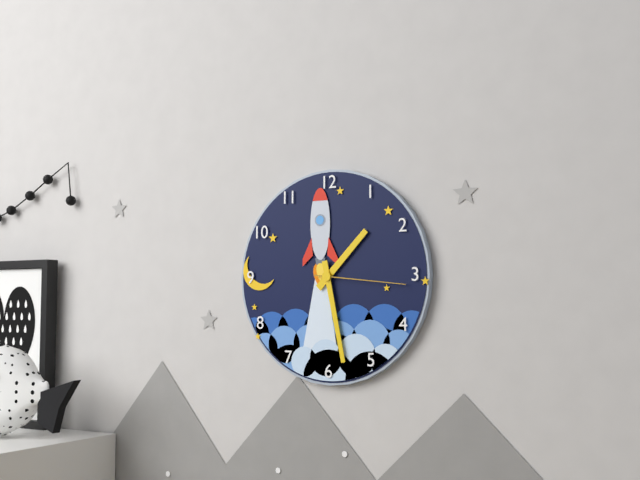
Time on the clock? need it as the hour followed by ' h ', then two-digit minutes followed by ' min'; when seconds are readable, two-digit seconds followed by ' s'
1 h 28 min 16 s
